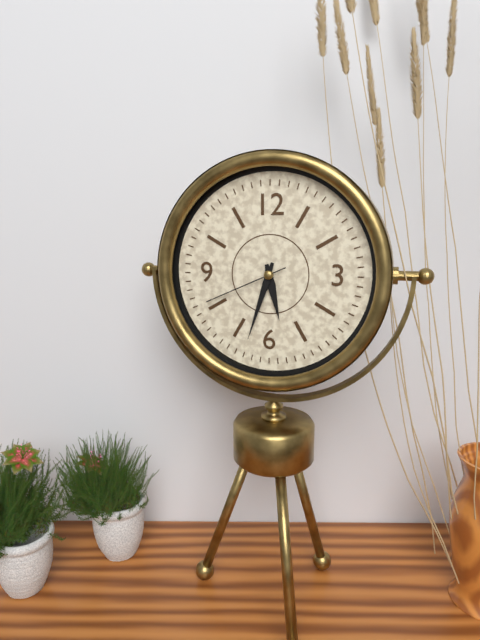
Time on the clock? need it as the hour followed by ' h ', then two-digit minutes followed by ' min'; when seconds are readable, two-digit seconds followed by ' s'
5 h 33 min 41 s
